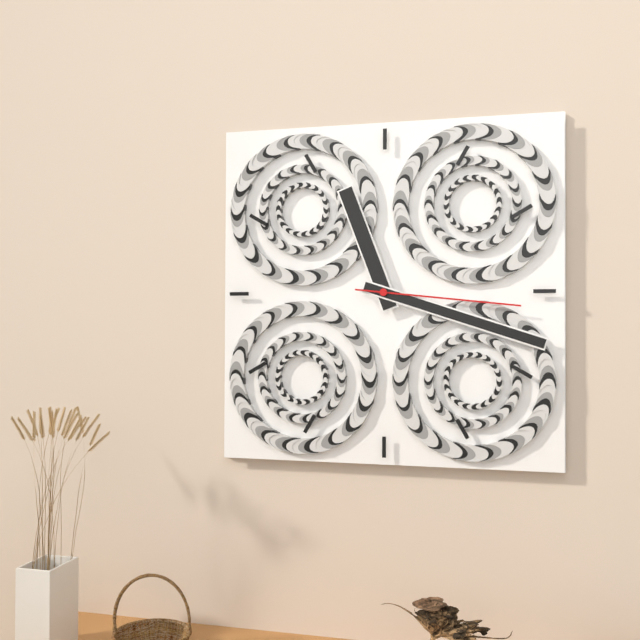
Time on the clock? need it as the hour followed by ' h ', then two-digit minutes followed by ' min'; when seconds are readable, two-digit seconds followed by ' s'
11 h 18 min 16 s
